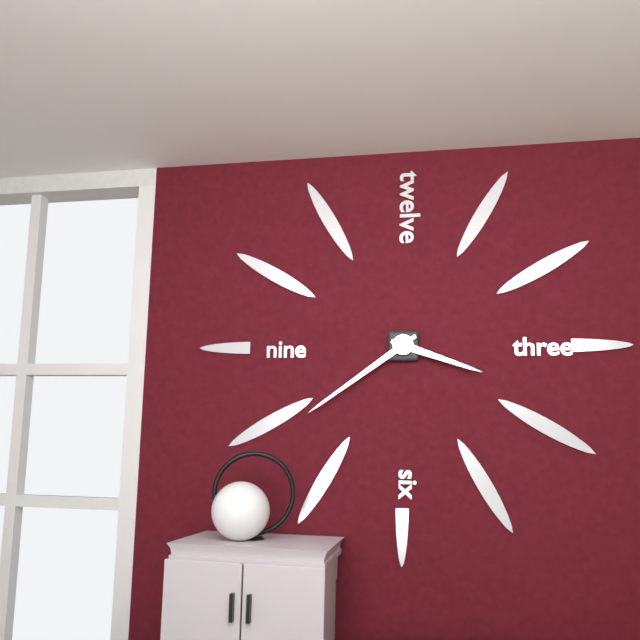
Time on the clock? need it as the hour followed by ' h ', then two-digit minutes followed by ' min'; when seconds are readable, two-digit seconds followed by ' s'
3 h 39 min
